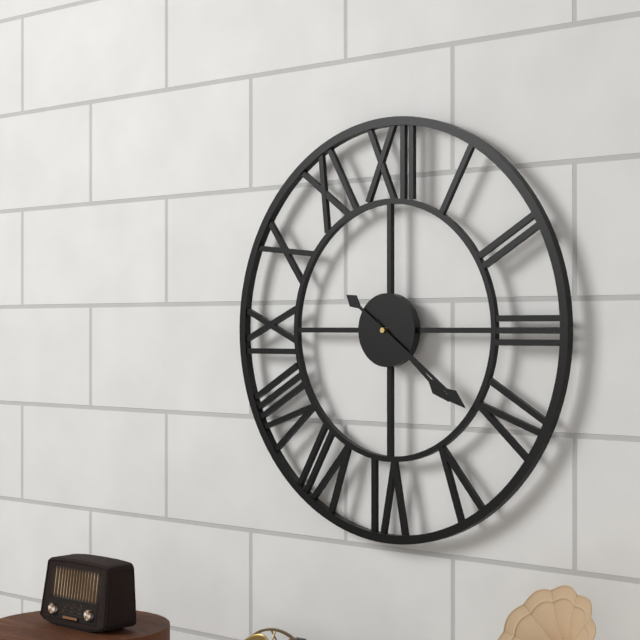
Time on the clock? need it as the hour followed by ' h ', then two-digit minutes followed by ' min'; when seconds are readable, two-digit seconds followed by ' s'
4 h 21 min
